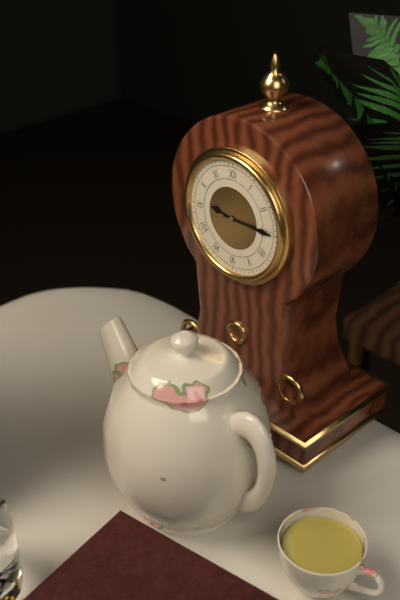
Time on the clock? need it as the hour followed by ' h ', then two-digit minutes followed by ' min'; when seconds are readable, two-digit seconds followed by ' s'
9 h 15 min
